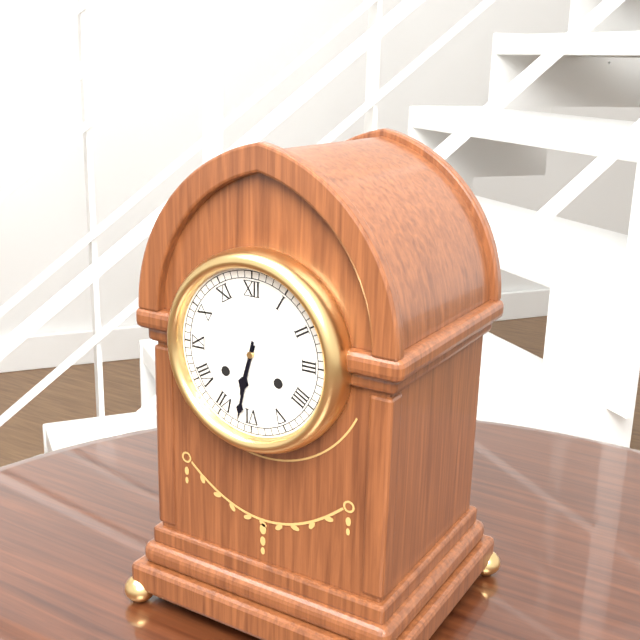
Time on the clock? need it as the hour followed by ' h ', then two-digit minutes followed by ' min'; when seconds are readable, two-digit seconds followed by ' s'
6 h 32 min
